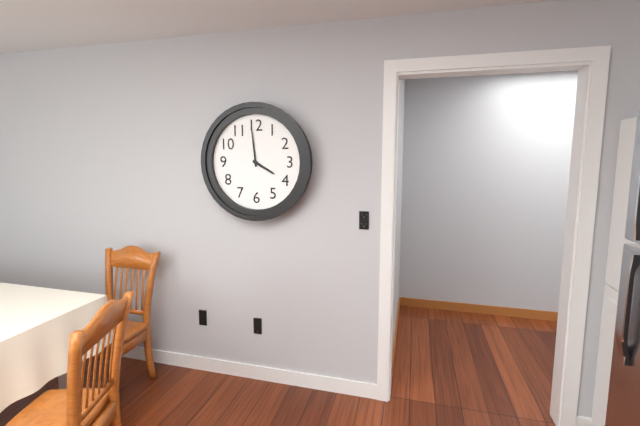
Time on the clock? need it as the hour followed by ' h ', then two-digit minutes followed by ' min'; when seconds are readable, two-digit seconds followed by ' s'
3 h 59 min
